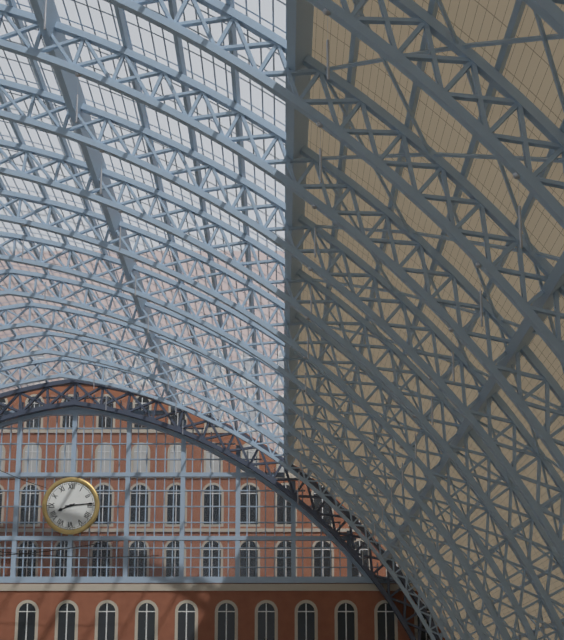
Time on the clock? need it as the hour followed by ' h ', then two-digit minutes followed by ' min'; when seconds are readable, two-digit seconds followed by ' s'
8 h 14 min
